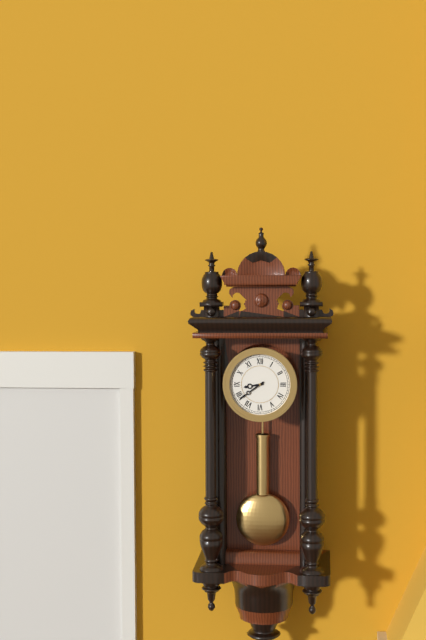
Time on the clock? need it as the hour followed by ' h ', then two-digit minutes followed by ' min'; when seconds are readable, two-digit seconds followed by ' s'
8 h 39 min
